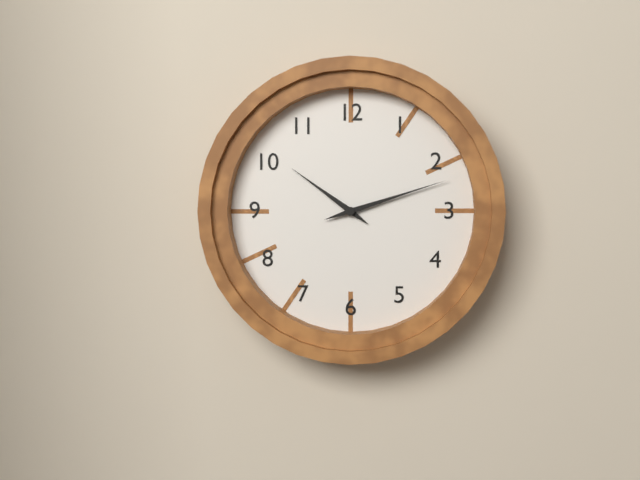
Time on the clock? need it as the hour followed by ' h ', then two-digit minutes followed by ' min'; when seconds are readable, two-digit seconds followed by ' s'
10 h 12 min
